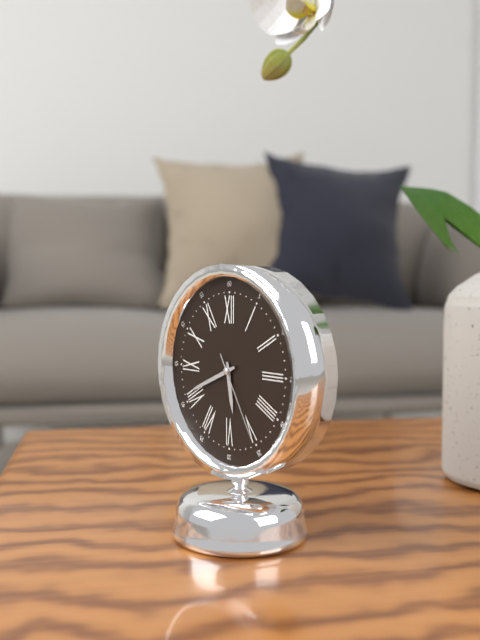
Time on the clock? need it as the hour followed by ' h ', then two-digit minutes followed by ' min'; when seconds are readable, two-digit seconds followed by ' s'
5 h 41 min 25 s
